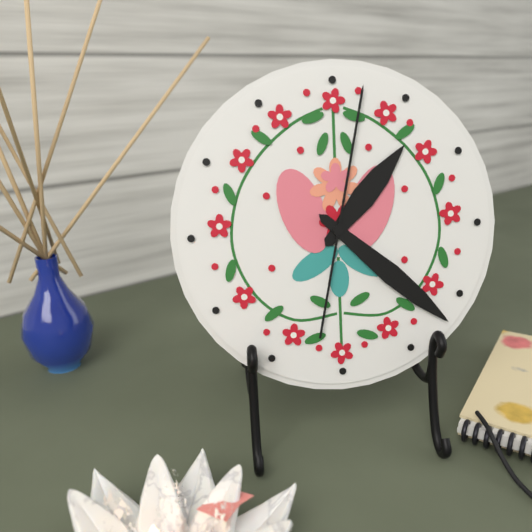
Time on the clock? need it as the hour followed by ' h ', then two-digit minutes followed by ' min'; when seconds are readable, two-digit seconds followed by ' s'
1 h 22 min 02 s
